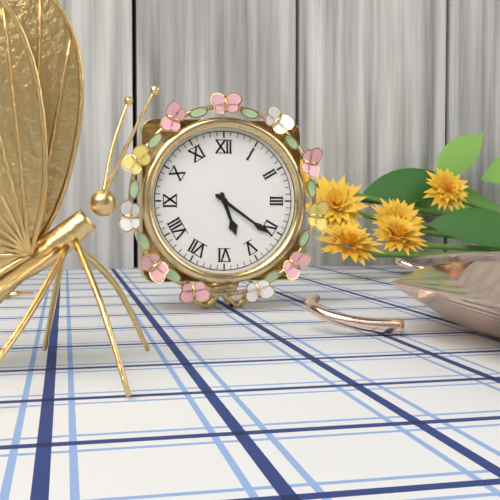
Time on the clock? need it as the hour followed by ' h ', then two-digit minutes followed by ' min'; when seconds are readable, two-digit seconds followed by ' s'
5 h 21 min
